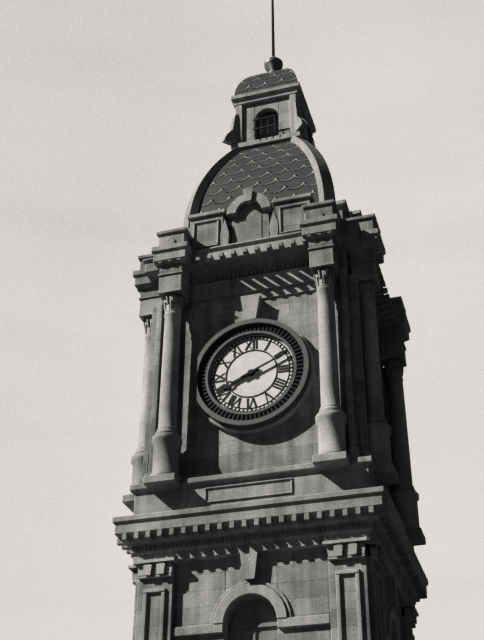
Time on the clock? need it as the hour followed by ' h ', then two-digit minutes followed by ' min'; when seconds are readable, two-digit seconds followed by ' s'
8 h 11 min
